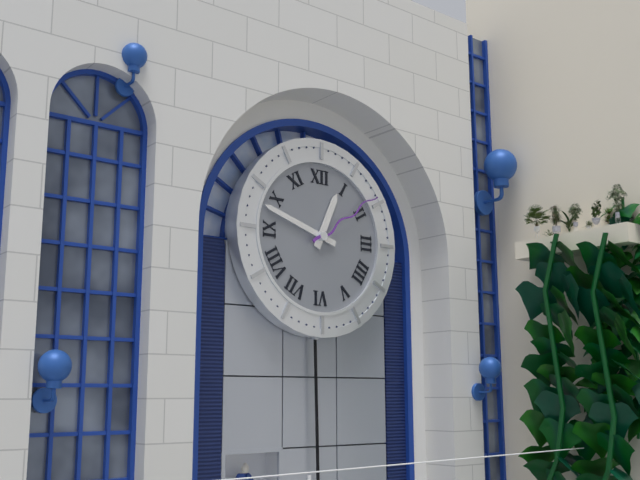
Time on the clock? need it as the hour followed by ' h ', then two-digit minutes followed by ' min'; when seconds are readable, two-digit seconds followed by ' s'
12 h 48 min 09 s
